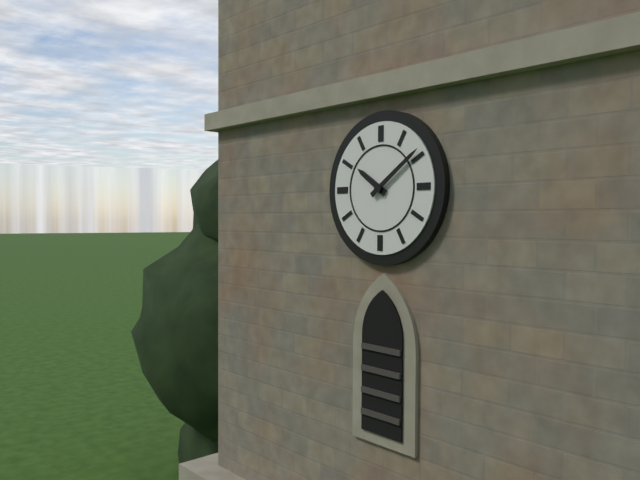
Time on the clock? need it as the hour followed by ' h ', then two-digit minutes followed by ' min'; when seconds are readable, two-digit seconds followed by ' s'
10 h 09 min
